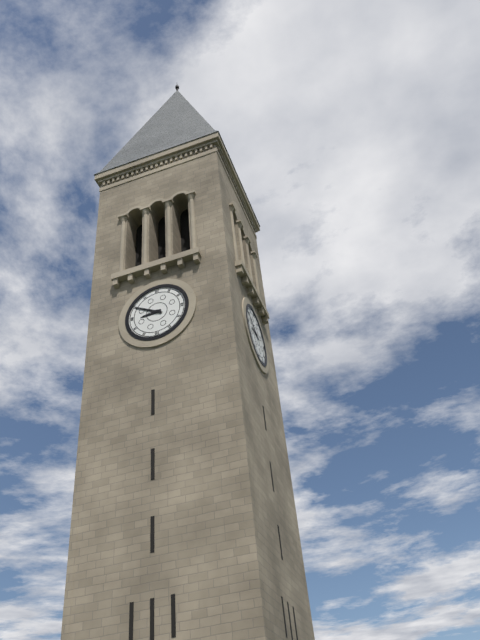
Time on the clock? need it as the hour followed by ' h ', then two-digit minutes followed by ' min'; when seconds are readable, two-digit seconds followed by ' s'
8 h 50 min
